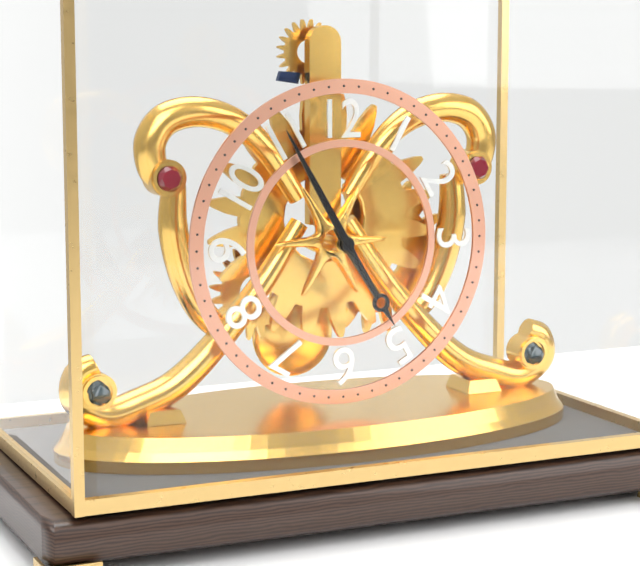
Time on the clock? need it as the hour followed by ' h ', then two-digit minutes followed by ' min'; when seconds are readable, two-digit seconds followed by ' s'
4 h 55 min
